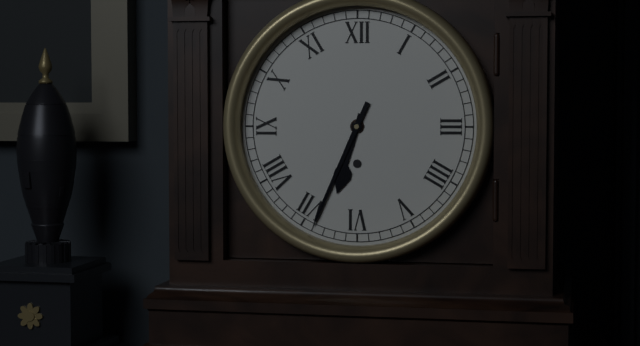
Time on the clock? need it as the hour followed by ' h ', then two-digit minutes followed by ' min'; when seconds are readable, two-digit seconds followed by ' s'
6 h 34 min
